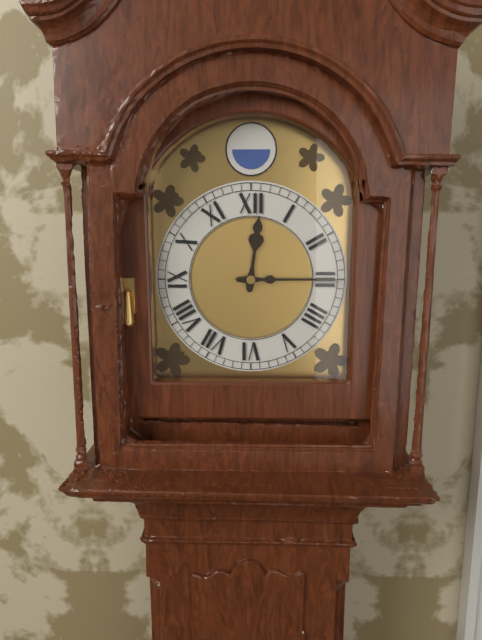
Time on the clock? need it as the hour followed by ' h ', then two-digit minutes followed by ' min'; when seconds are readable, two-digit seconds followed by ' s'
12 h 15 min
